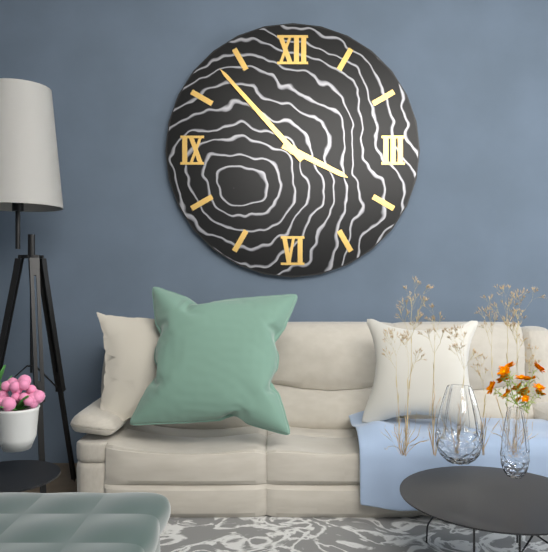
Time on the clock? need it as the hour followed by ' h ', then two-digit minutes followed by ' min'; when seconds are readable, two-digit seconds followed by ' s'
3 h 53 min
